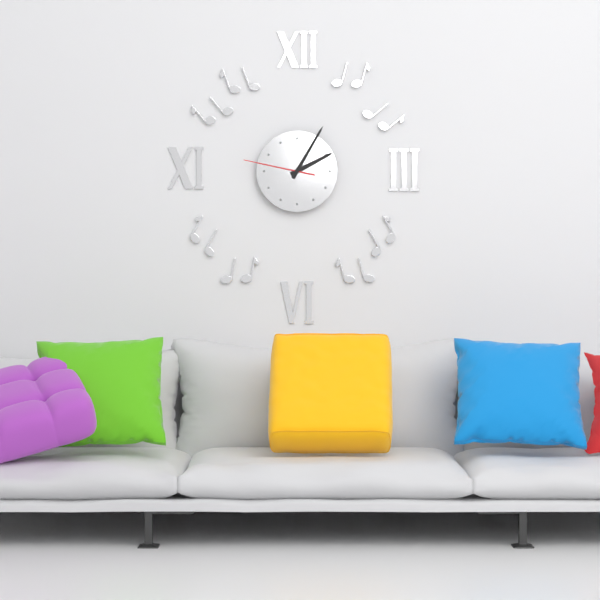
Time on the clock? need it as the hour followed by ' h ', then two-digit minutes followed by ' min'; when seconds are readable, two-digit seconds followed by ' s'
2 h 05 min 47 s
